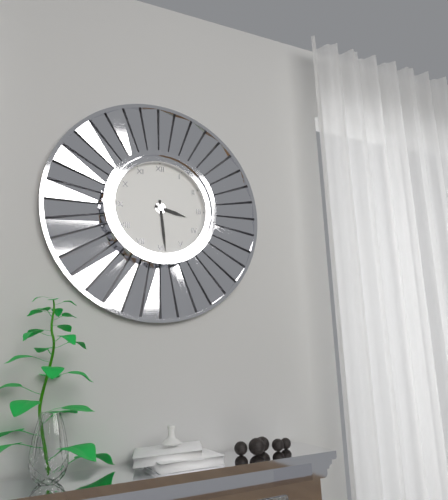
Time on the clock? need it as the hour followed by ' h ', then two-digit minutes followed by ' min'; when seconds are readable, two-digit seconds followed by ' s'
3 h 29 min
